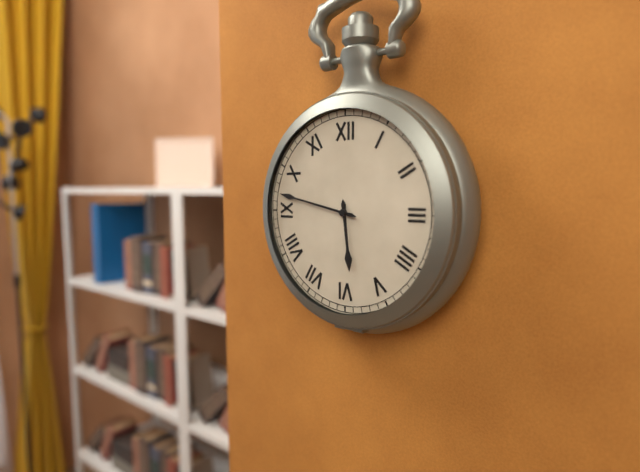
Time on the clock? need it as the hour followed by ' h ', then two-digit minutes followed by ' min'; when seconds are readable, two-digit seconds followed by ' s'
5 h 47 min
